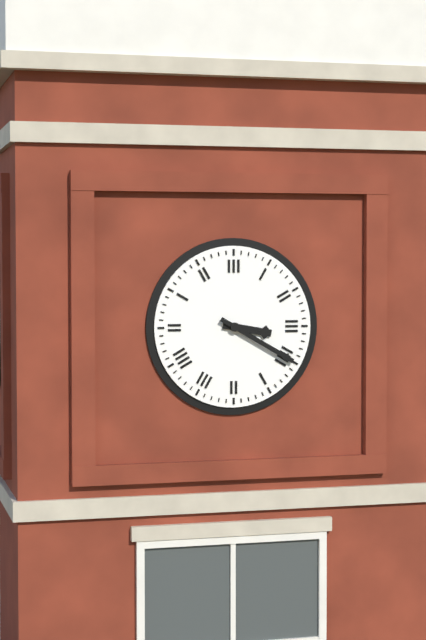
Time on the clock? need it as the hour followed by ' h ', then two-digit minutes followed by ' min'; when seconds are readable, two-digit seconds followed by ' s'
3 h 20 min
